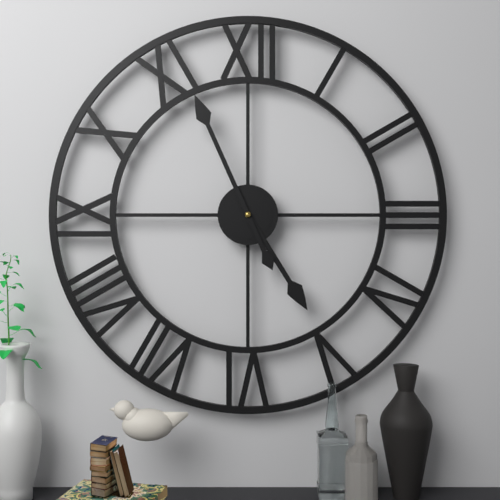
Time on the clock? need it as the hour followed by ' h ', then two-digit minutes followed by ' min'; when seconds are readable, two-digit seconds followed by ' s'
4 h 56 min
